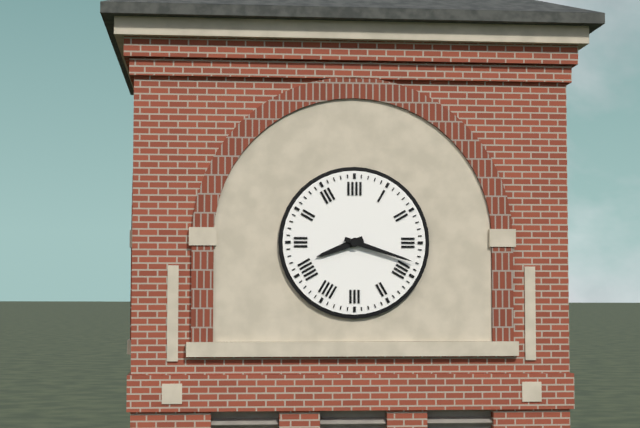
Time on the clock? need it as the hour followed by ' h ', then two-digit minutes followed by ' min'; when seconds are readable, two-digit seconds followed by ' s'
8 h 18 min
